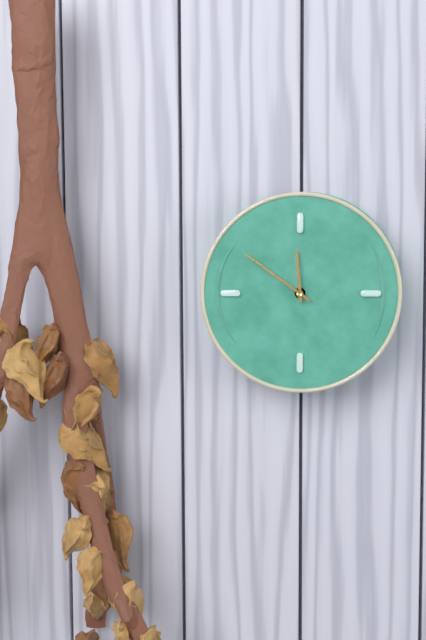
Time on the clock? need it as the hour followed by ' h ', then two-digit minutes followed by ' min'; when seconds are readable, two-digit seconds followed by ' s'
11 h 51 min
